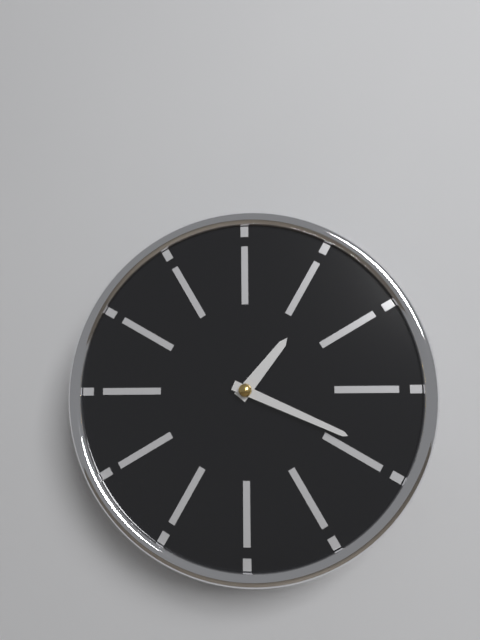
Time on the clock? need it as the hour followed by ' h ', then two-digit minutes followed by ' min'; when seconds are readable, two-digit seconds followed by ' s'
1 h 19 min
